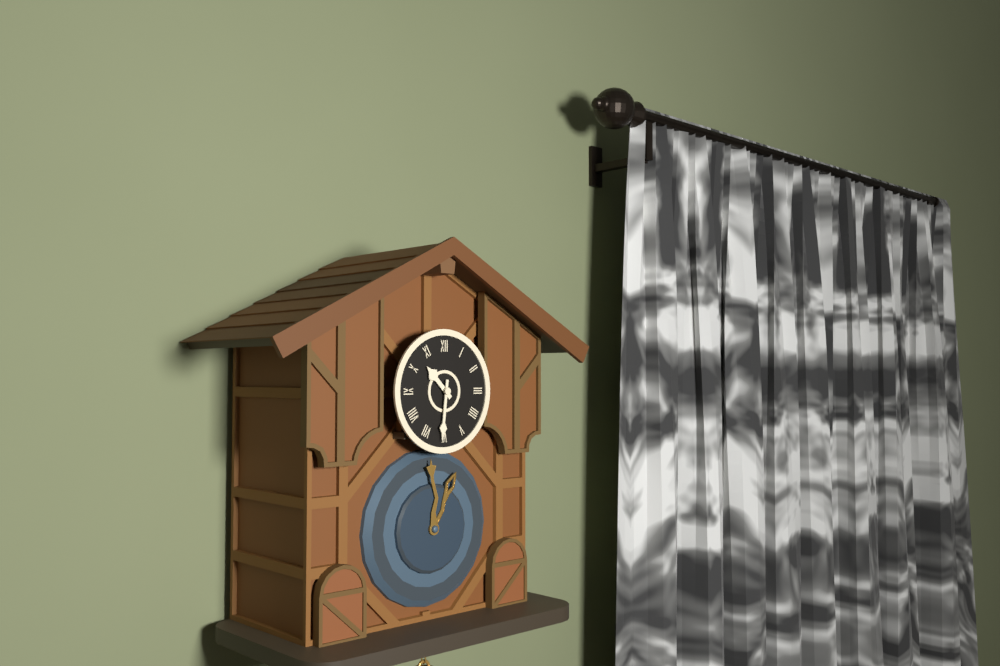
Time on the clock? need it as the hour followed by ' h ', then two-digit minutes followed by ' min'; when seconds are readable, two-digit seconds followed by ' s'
10 h 31 min
